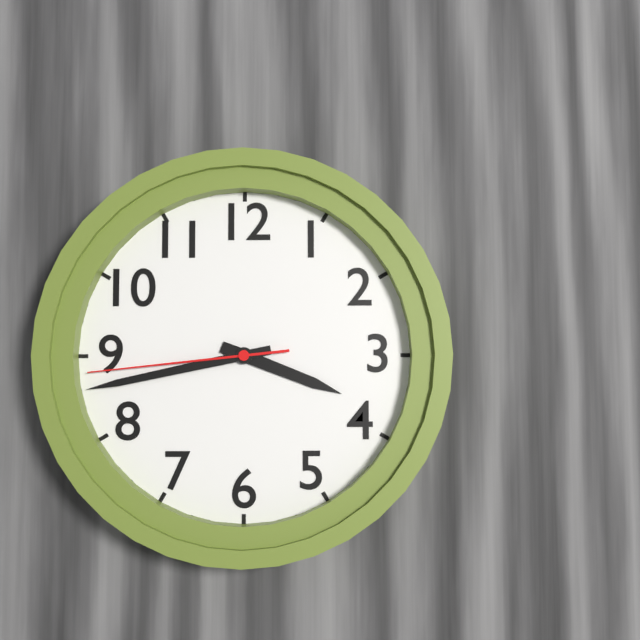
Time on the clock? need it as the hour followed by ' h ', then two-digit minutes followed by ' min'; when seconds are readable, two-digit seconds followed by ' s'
3 h 43 min 44 s
